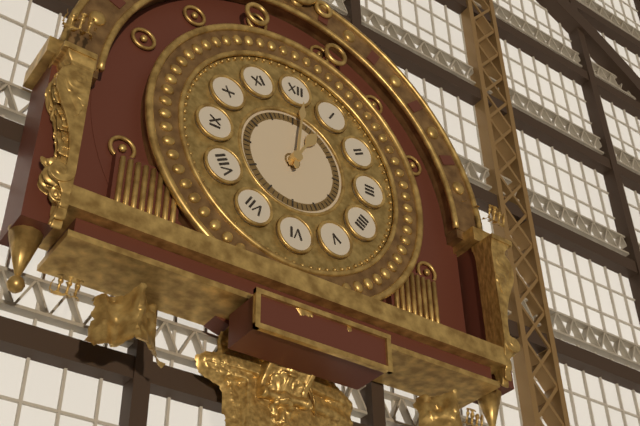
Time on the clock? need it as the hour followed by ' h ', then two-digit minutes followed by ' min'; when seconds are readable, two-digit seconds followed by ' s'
1 h 01 min
